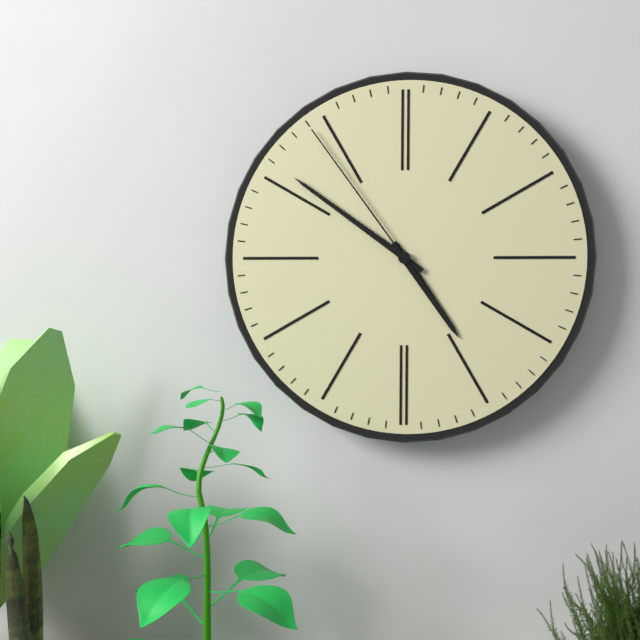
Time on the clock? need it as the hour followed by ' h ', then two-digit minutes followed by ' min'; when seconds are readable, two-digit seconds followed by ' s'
4 h 51 min 54 s
